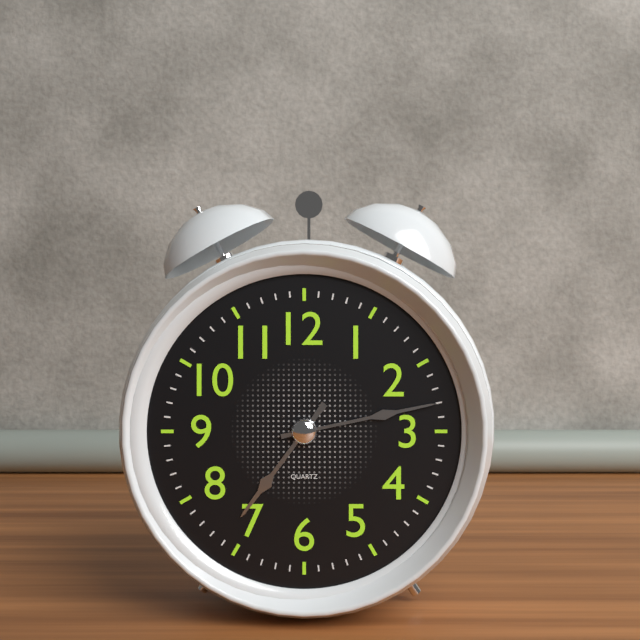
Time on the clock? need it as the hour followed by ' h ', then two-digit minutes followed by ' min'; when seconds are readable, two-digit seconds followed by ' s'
7 h 13 min
